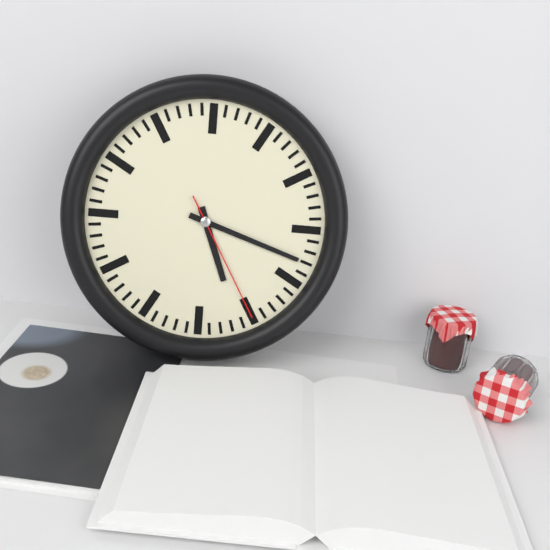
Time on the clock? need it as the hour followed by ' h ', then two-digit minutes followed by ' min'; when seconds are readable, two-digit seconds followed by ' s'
5 h 18 min 25 s
